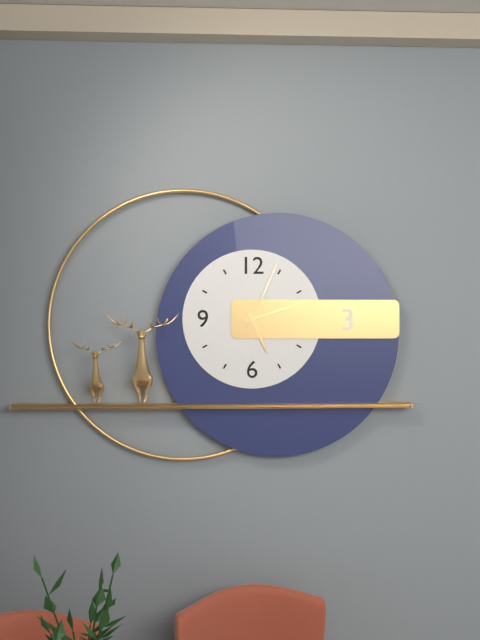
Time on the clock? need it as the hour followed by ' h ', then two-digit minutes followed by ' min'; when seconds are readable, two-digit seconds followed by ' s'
5 h 12 min 04 s
